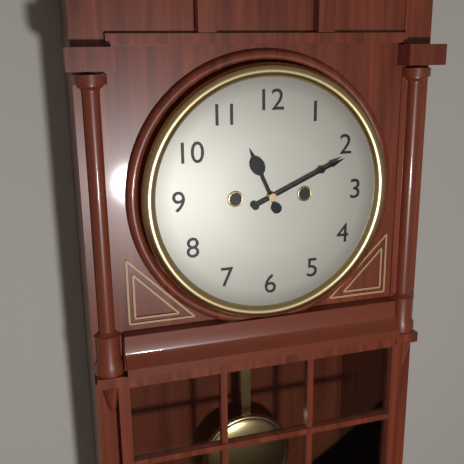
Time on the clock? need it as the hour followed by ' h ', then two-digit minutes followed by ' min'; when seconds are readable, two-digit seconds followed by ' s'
11 h 11 min
